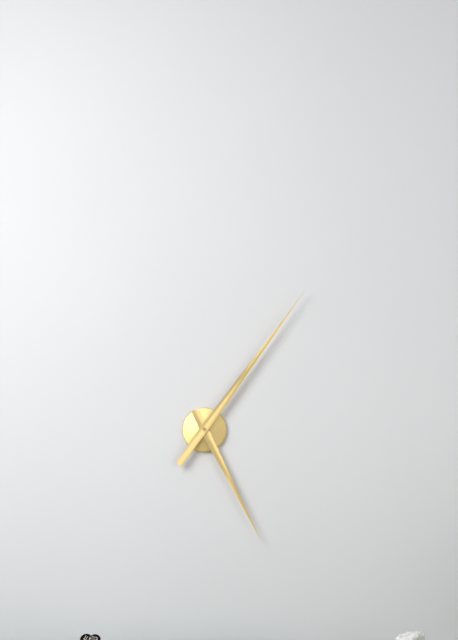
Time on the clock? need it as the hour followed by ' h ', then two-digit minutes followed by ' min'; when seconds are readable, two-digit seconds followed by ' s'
5 h 06 min
